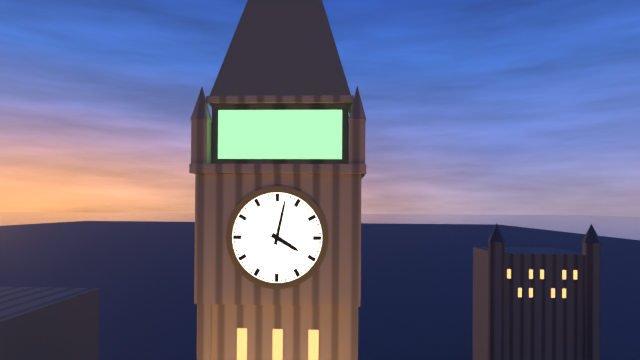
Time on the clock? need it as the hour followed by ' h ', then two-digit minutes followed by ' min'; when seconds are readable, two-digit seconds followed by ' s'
4 h 02 min
